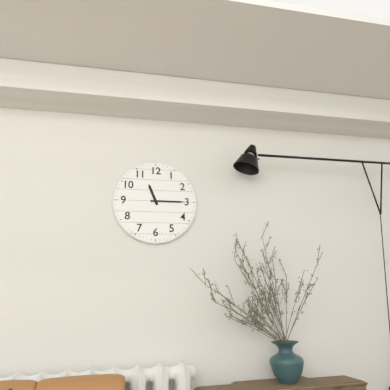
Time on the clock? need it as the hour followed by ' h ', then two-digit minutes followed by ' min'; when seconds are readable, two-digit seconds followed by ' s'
11 h 15 min
